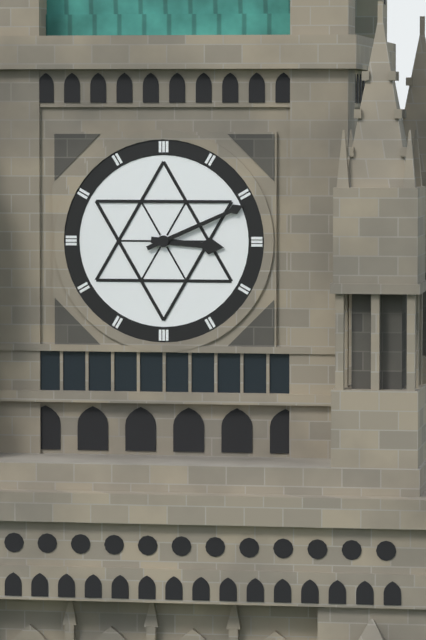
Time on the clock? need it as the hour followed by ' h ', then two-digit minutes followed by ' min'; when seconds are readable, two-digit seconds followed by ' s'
3 h 11 min
